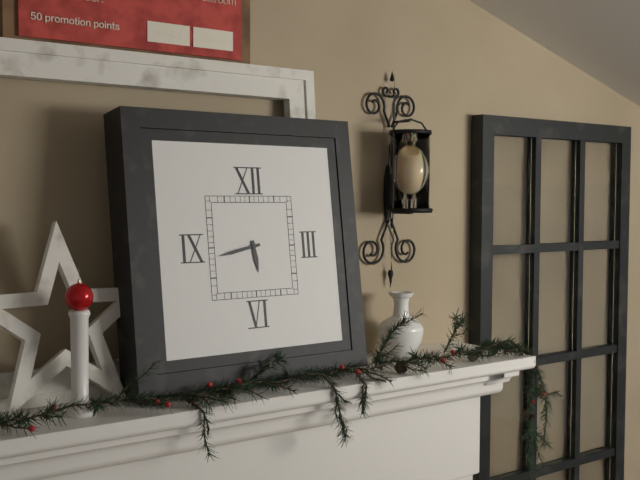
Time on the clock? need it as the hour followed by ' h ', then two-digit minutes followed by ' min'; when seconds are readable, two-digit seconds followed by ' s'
5 h 43 min
